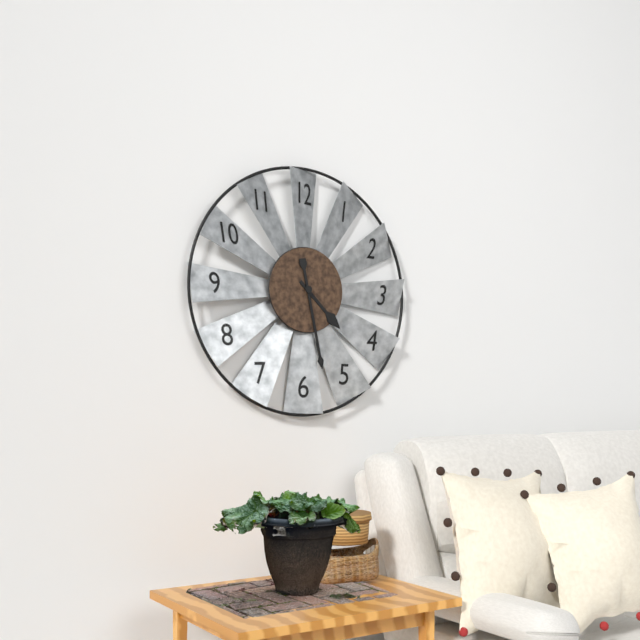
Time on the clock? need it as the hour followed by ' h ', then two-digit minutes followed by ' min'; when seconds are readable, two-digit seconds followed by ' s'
4 h 28 min
